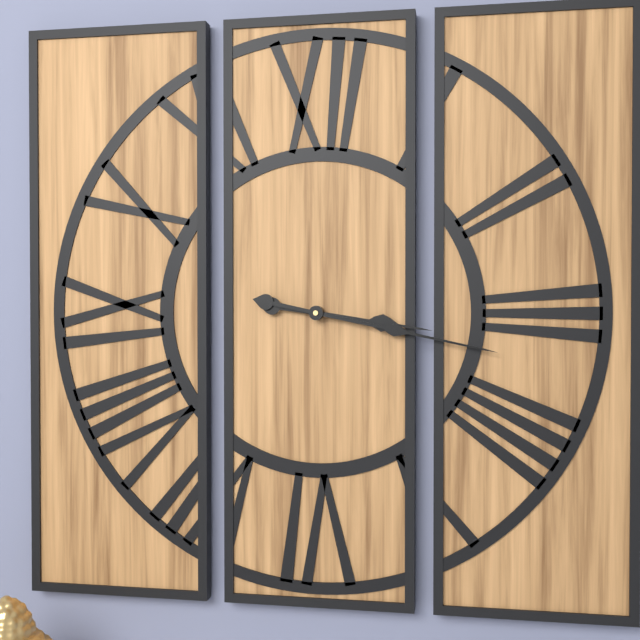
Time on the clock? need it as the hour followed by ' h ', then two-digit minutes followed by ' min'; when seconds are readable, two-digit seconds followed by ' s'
3 h 17 min
